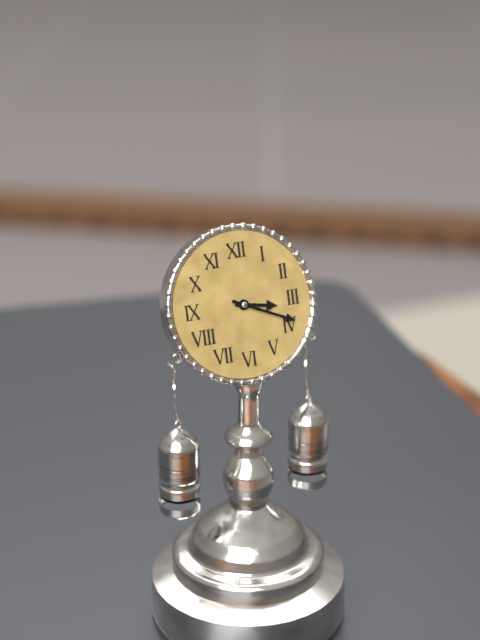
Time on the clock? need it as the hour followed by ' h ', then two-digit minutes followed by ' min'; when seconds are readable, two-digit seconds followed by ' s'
3 h 19 min
